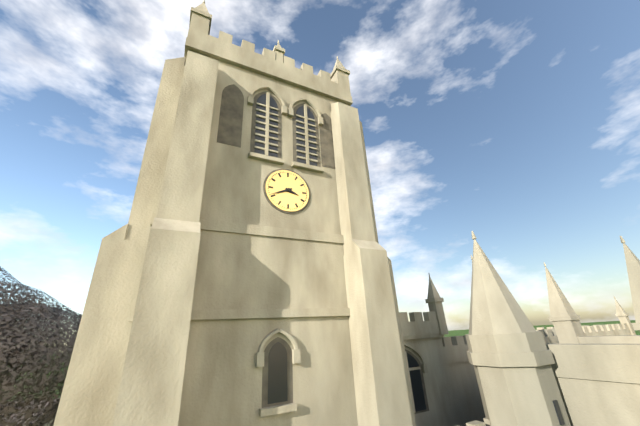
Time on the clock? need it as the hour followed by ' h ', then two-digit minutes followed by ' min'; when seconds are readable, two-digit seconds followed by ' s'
3 h 41 min
